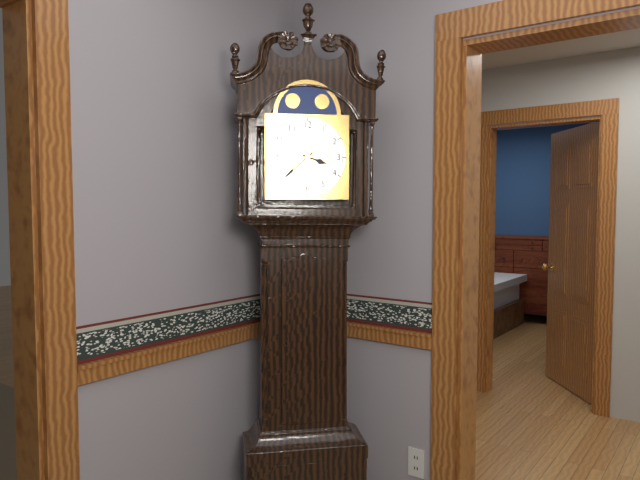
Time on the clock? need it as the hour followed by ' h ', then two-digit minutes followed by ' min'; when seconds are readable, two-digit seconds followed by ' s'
3 h 38 min
